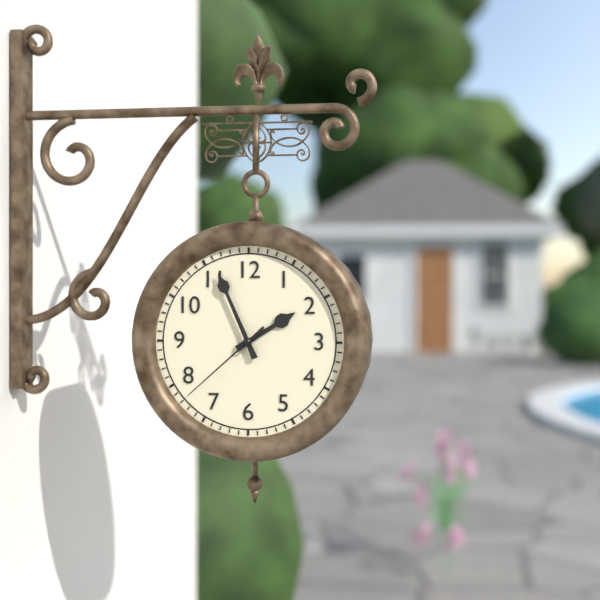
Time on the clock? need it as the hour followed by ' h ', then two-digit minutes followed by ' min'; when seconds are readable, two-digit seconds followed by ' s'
1 h 56 min 38 s
